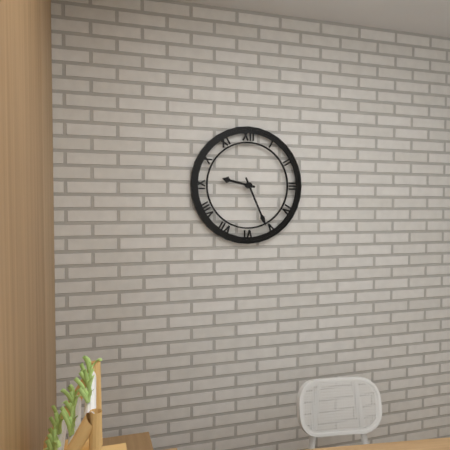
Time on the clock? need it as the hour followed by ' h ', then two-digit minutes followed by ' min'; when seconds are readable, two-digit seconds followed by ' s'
9 h 26 min
